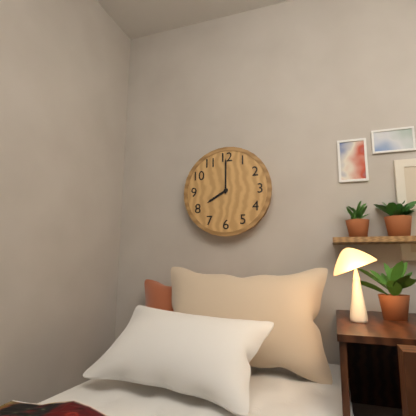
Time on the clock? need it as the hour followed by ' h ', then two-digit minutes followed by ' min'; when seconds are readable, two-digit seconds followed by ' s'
8 h 00 min
